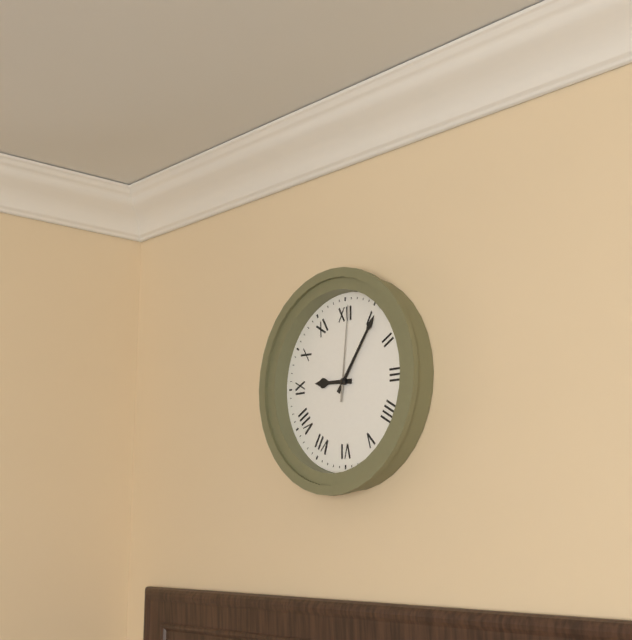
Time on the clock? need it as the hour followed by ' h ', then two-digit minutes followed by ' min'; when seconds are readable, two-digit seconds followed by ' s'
9 h 06 min 01 s
